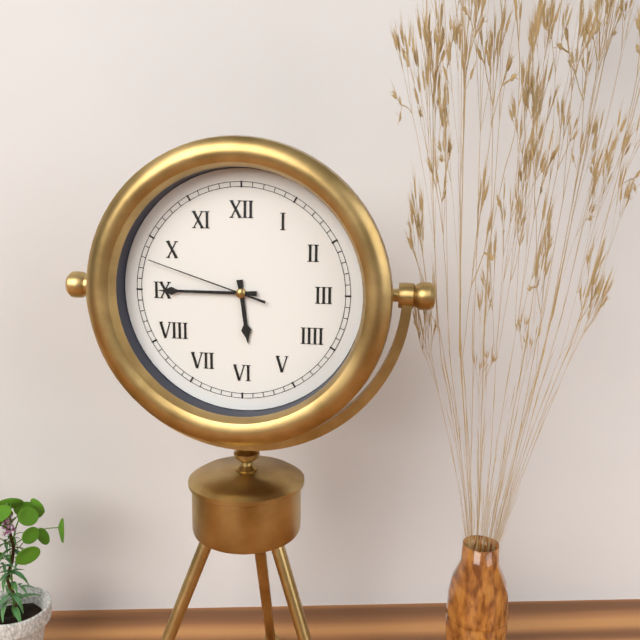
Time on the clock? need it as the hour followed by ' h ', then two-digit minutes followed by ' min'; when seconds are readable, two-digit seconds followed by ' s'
5 h 45 min 48 s
